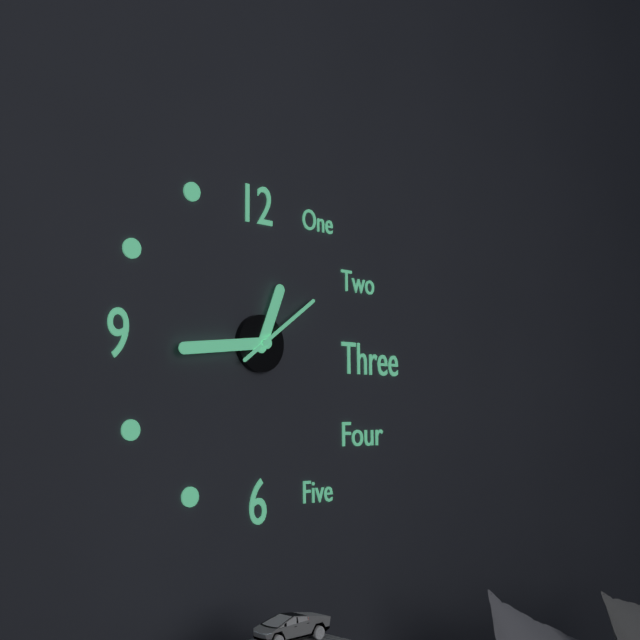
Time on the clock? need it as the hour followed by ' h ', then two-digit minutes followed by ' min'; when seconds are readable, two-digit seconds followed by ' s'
12 h 44 min 09 s
